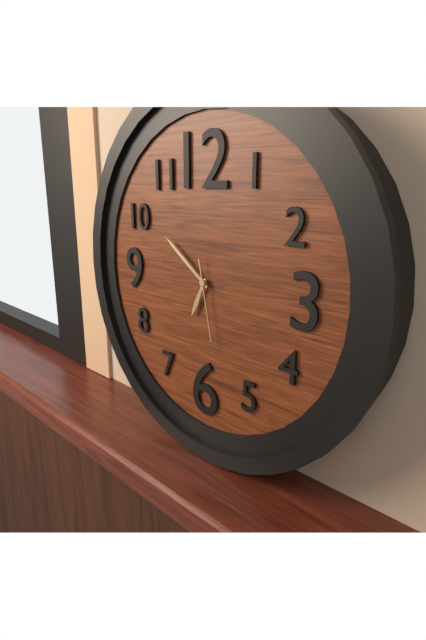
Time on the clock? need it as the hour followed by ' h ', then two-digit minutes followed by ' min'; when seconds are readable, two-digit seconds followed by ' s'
6 h 51 min 28 s
